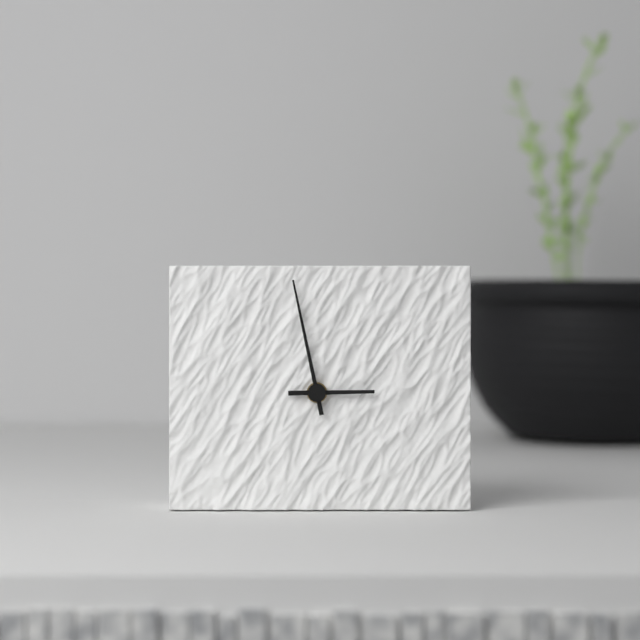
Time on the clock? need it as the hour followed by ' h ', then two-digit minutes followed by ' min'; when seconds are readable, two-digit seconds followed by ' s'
2 h 58 min
